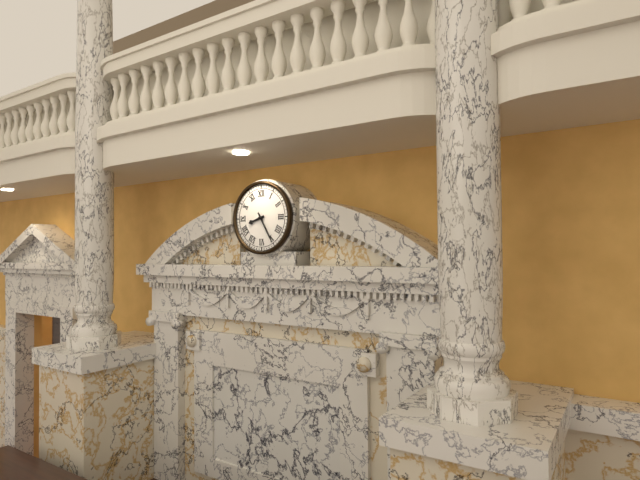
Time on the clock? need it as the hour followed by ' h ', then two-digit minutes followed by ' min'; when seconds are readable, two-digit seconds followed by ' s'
8 h 25 min
